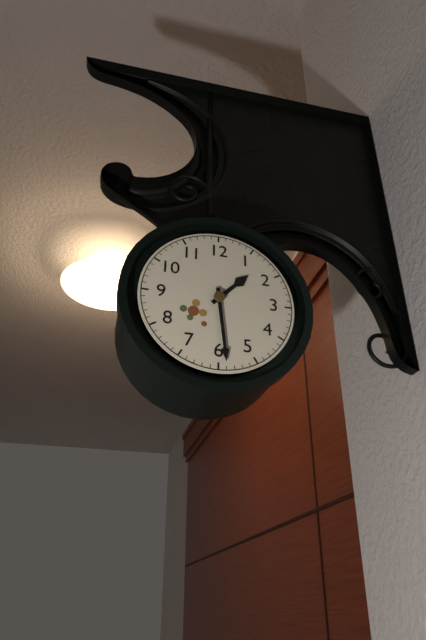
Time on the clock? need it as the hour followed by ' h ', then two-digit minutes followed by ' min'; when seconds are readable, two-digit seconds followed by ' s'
1 h 29 min
